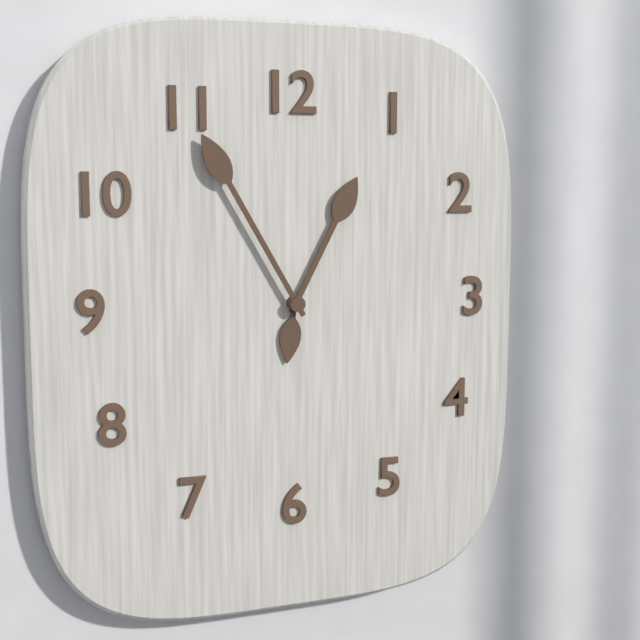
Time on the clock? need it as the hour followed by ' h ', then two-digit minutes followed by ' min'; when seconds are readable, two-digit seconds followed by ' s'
12 h 55 min
